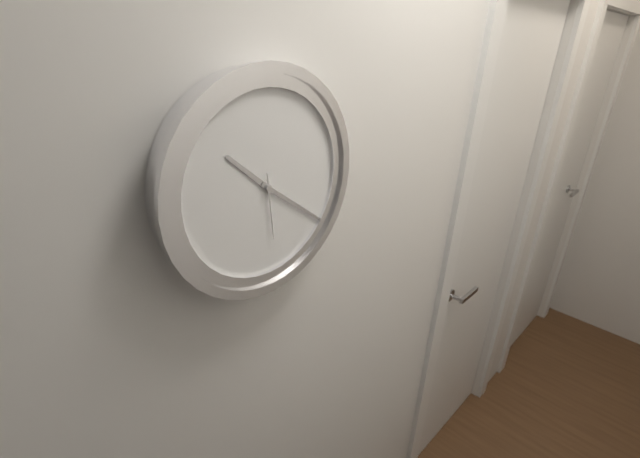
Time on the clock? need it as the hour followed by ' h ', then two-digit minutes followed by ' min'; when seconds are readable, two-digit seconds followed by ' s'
10 h 21 min 29 s
